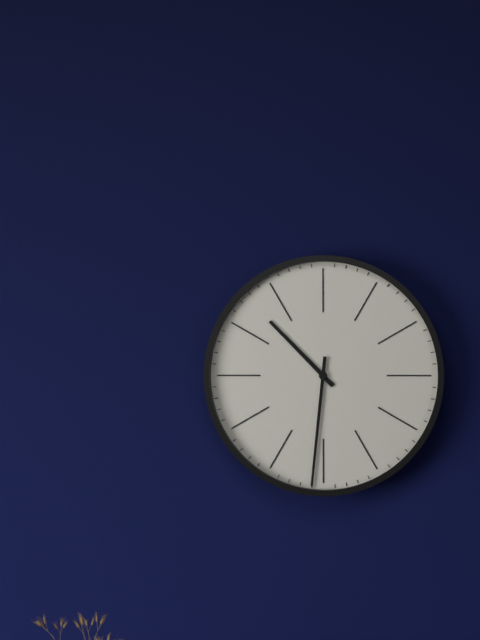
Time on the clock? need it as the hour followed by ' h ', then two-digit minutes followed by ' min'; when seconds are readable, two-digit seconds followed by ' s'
10 h 31 min
